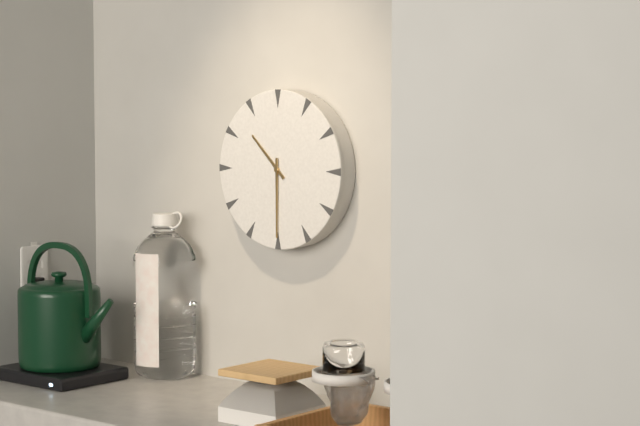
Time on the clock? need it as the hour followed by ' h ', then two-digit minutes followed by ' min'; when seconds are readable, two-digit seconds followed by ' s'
10 h 30 min
